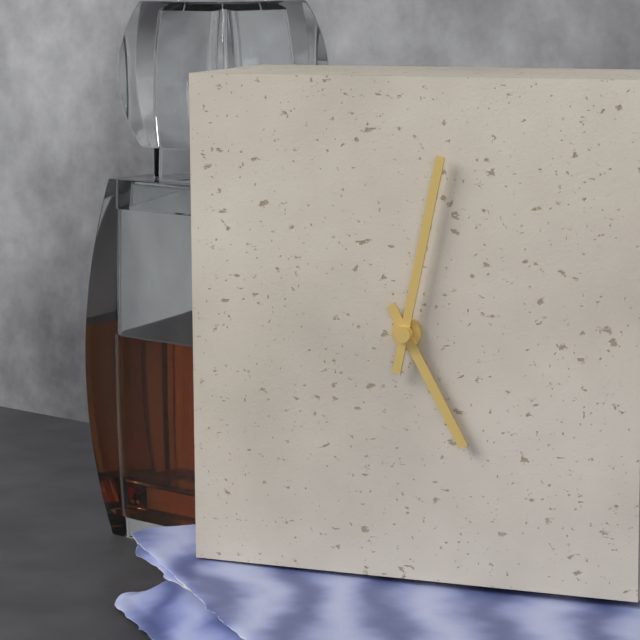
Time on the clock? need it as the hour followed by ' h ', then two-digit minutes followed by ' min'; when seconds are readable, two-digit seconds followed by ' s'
5 h 02 min
